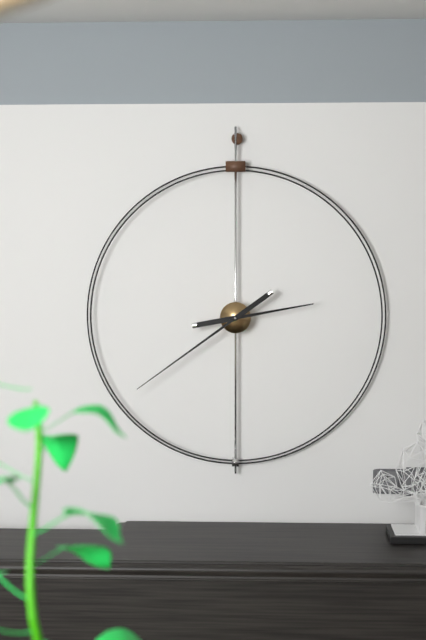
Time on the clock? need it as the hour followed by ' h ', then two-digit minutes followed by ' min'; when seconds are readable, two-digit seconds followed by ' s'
2 h 39 min
